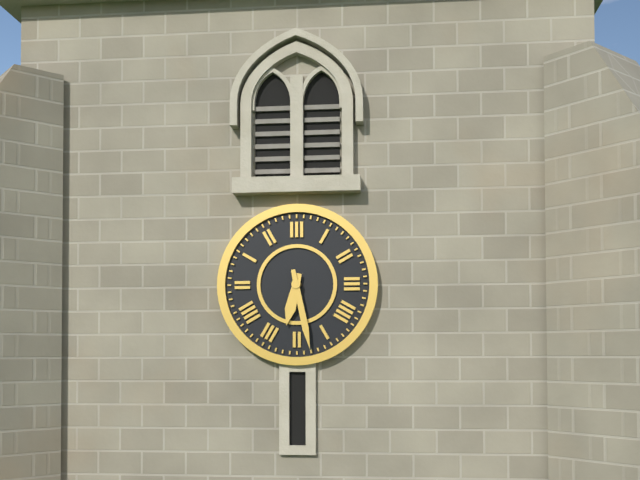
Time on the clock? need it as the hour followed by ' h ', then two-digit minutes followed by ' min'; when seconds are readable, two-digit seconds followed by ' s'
6 h 28 min
